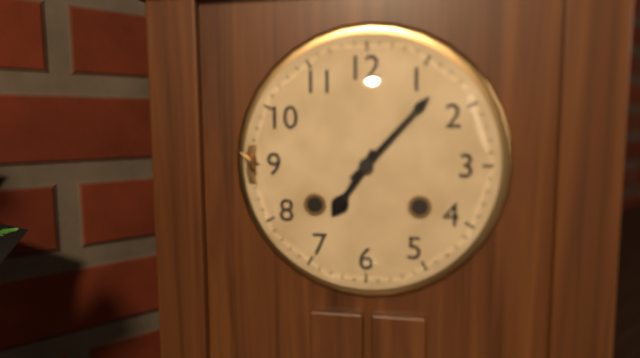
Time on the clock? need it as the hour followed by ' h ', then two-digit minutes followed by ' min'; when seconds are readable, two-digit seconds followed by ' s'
7 h 07 min
